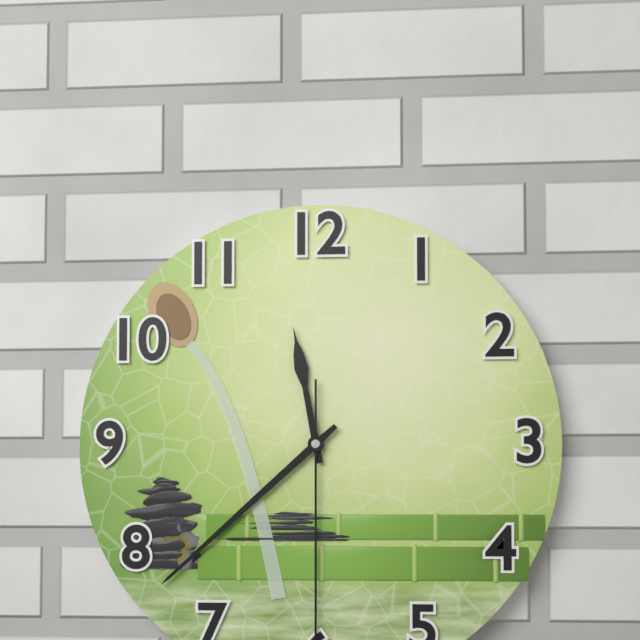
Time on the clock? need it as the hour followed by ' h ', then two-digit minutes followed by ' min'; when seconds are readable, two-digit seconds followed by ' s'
11 h 38 min
